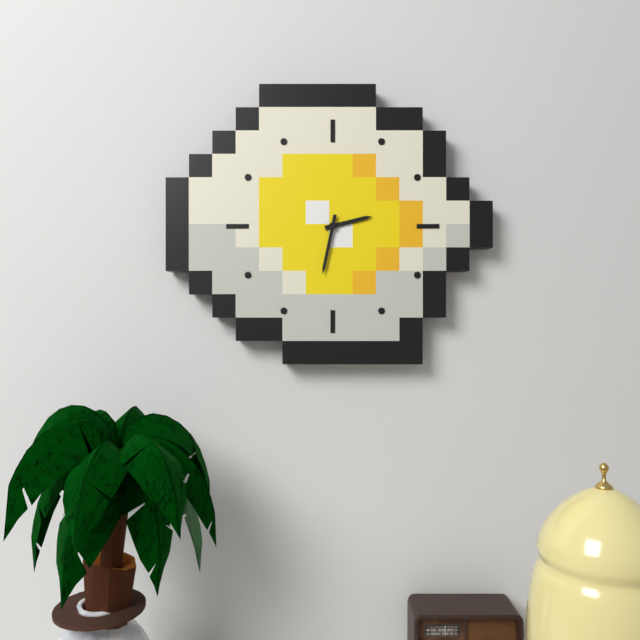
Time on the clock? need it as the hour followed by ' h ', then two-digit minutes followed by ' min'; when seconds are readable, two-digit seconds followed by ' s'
2 h 32 min
